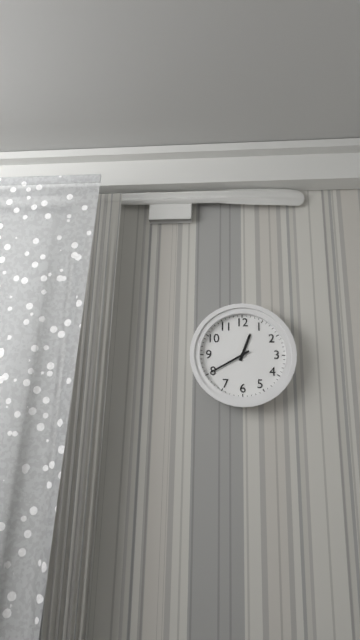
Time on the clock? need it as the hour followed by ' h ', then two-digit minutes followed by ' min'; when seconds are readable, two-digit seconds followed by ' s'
12 h 40 min
